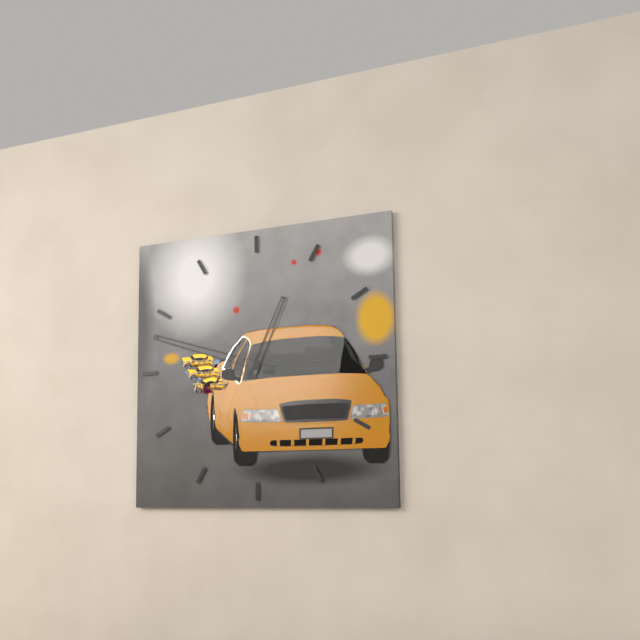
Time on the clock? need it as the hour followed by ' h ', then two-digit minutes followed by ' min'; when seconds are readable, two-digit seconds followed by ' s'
12 h 48 min
